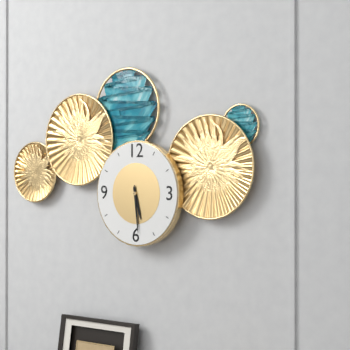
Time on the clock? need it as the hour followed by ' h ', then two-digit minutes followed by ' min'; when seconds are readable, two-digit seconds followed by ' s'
5 h 29 min
